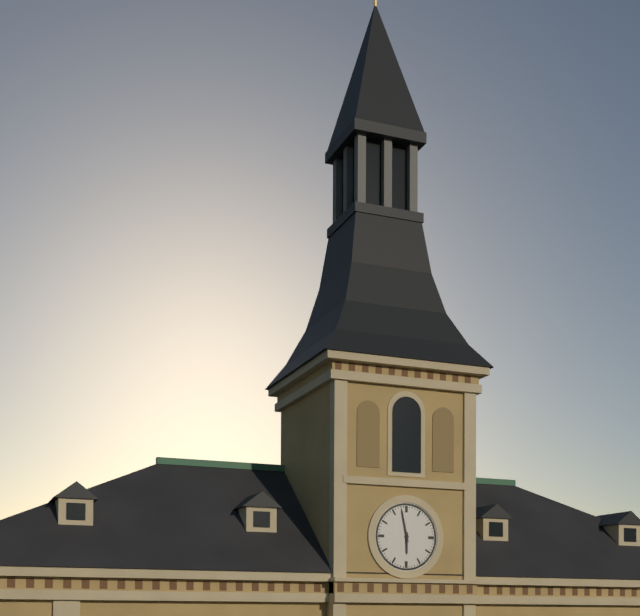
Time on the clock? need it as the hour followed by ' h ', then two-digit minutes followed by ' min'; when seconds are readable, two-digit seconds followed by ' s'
5 h 58 min
